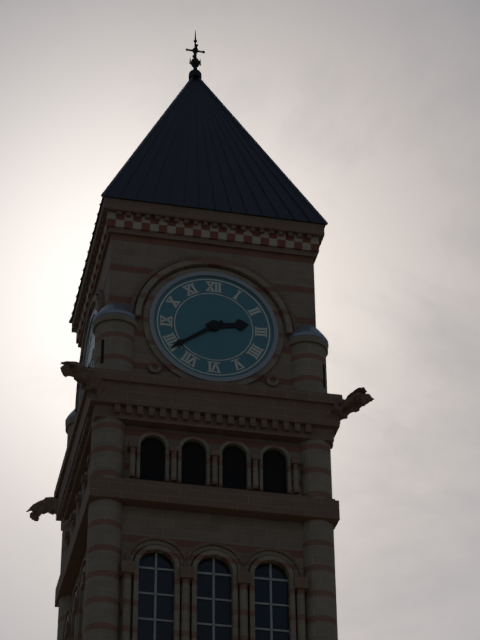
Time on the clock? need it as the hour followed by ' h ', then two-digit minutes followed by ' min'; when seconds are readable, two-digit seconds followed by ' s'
2 h 39 min
